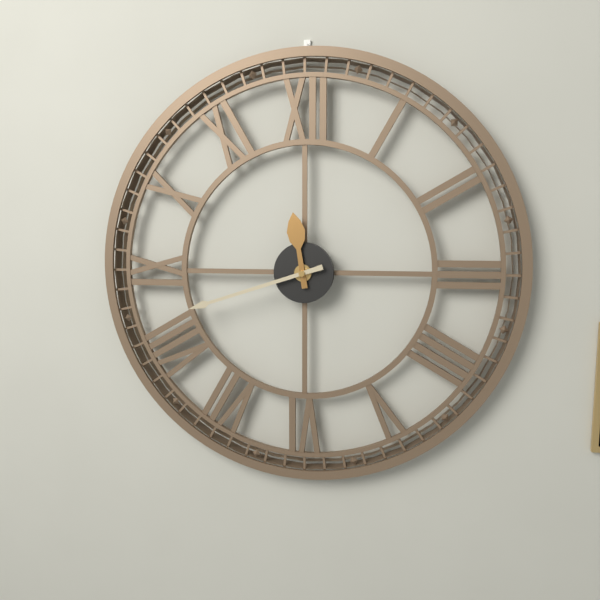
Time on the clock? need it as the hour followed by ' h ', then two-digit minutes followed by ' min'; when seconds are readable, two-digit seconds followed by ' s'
11 h 42 min
